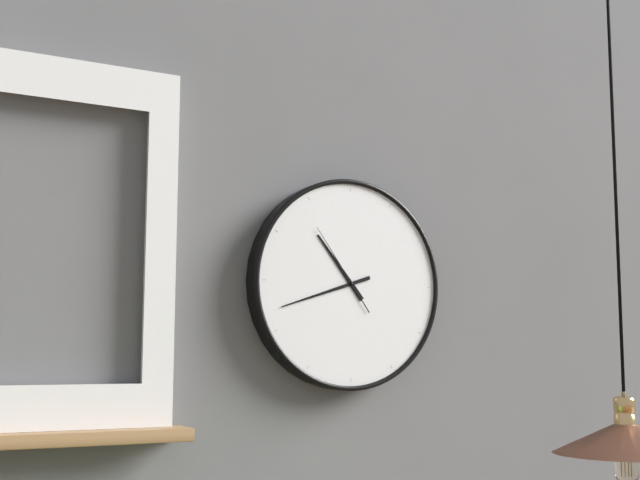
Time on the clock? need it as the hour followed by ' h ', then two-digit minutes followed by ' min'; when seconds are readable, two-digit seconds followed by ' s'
10 h 42 min 54 s
